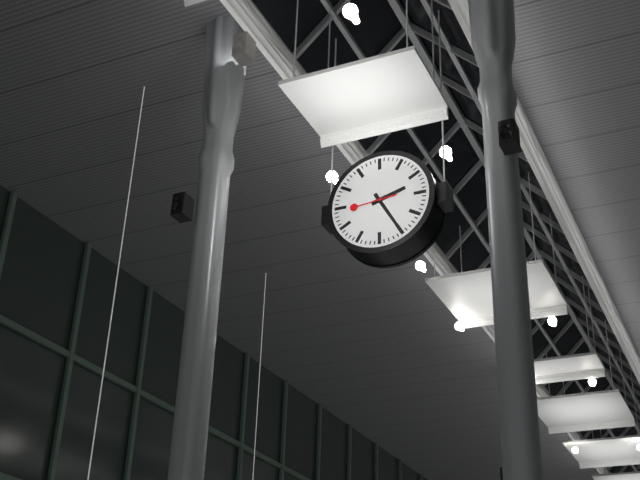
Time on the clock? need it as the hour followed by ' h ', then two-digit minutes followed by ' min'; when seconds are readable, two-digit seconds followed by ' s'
2 h 25 min
